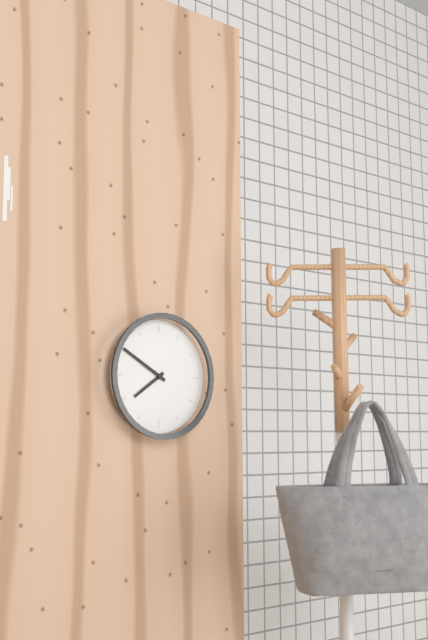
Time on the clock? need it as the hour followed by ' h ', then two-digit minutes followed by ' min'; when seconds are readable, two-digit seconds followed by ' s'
7 h 50 min
